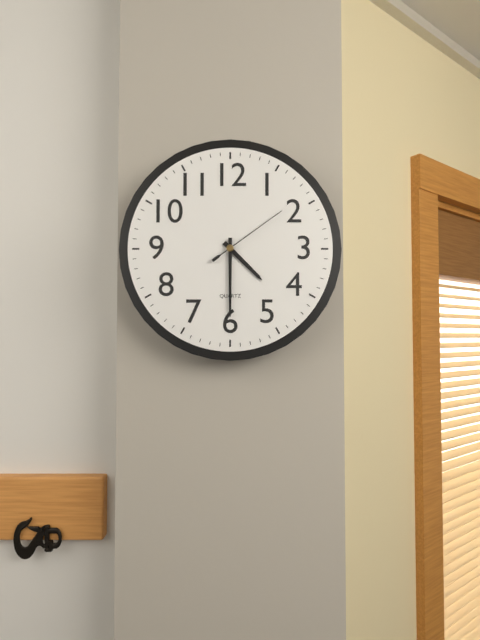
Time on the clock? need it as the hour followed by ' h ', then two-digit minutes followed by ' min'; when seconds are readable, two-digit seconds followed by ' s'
4 h 30 min 09 s
